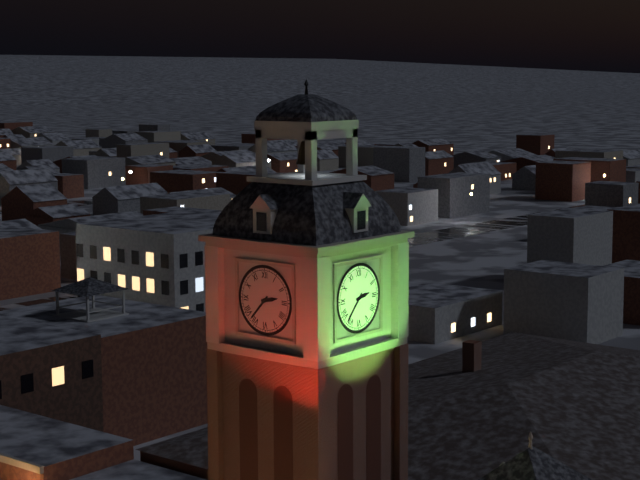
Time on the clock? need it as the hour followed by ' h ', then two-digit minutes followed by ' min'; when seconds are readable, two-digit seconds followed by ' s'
2 h 37 min
